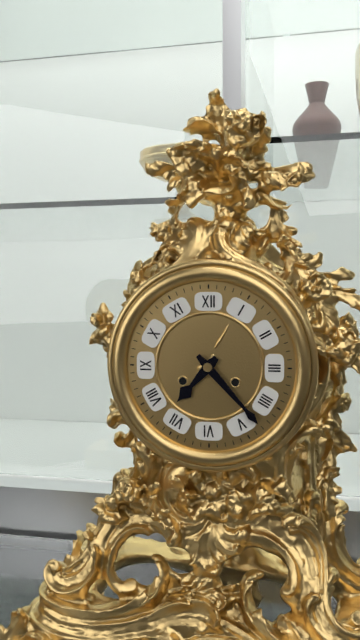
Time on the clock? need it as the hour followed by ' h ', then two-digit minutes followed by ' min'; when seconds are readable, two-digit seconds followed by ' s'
7 h 23 min
